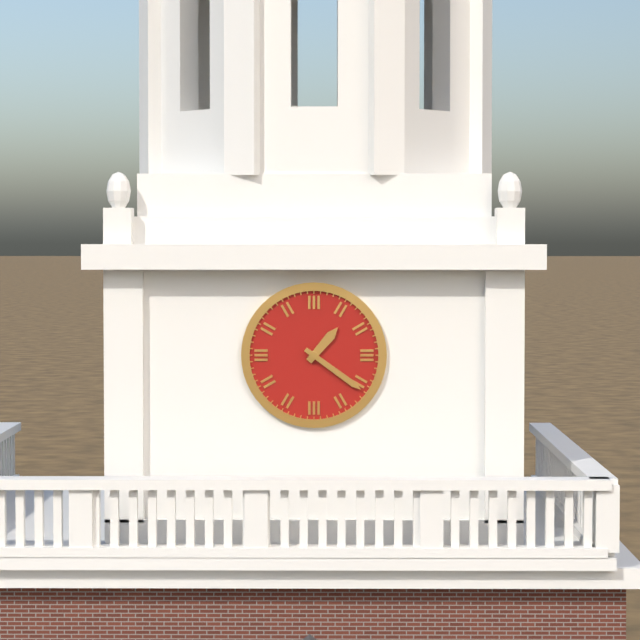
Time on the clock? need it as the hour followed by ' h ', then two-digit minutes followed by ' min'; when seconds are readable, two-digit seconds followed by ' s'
1 h 21 min
